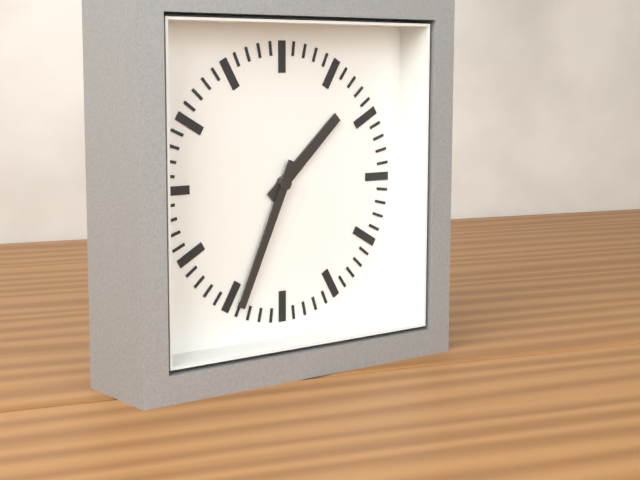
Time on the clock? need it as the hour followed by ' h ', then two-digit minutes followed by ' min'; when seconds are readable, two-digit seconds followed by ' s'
1 h 34 min
